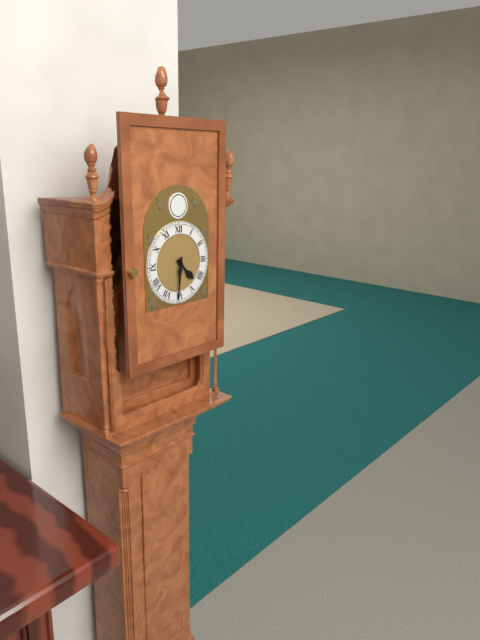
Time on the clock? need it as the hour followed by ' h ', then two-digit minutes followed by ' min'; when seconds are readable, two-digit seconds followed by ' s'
4 h 31 min
